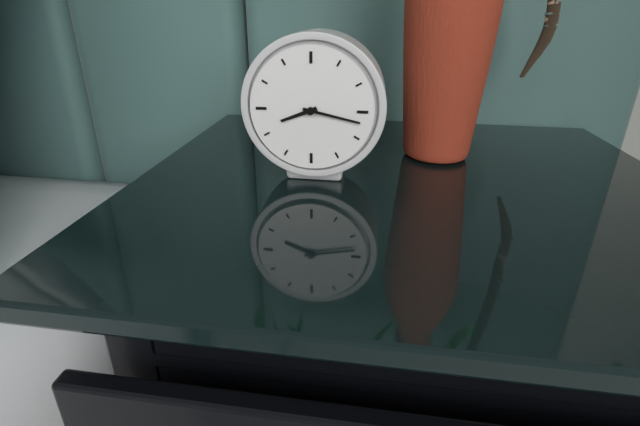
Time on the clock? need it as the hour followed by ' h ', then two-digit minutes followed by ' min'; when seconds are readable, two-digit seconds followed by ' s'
8 h 17 min
